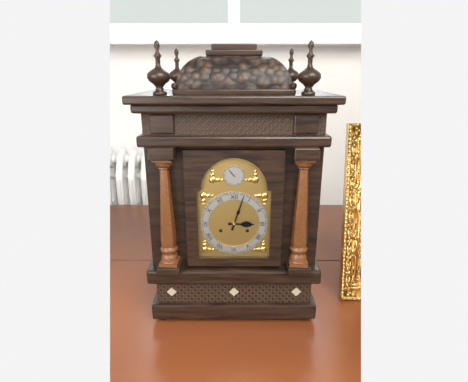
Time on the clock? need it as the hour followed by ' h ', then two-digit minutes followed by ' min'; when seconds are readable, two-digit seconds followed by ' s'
3 h 03 min
